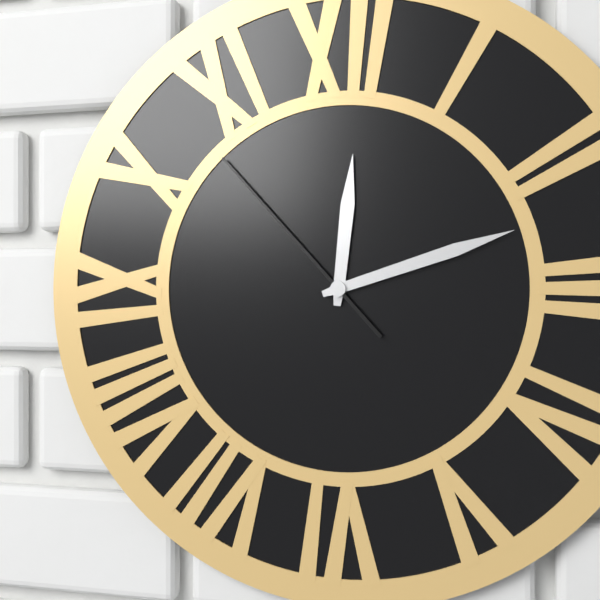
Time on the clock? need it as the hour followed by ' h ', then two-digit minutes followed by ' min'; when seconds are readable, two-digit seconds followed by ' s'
12 h 12 min 53 s
